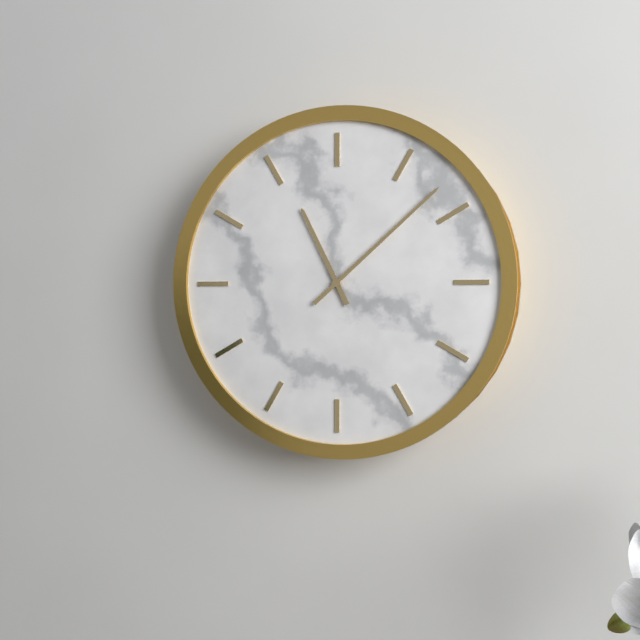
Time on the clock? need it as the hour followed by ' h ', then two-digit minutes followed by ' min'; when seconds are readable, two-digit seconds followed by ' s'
11 h 08 min
